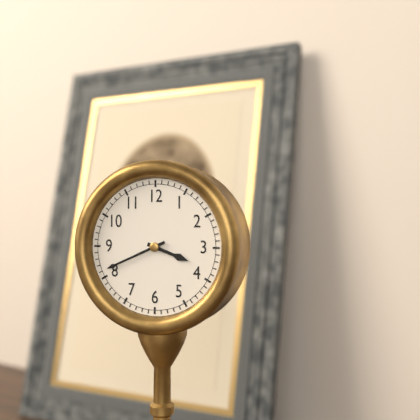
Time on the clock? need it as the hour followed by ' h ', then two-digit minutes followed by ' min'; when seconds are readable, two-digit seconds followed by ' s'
3 h 41 min
